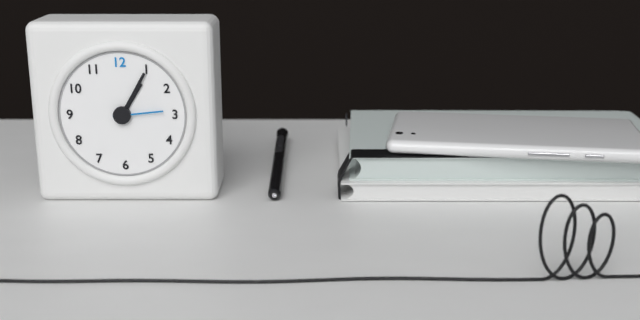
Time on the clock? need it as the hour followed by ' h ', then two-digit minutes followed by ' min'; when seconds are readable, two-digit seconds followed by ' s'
1 h 05 min 14 s
